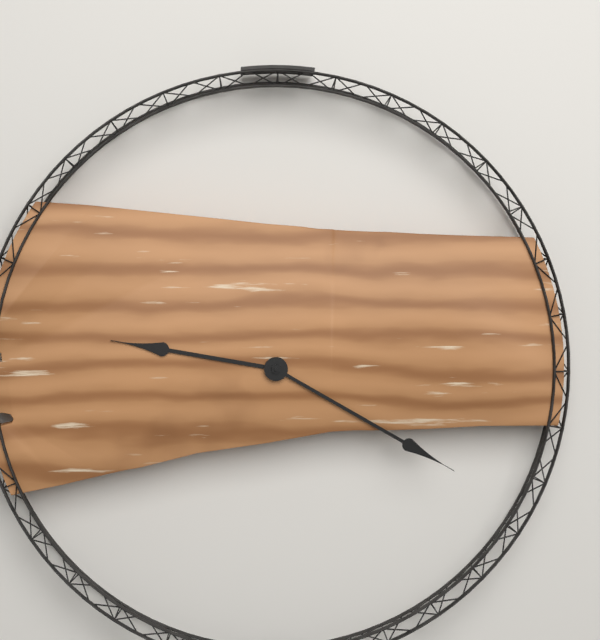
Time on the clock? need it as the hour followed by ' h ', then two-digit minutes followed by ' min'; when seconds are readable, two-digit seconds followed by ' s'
9 h 20 min
